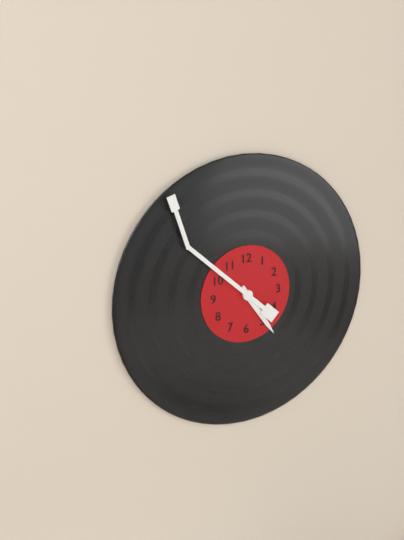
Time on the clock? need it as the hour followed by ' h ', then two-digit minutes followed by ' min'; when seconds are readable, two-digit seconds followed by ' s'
4 h 52 min
